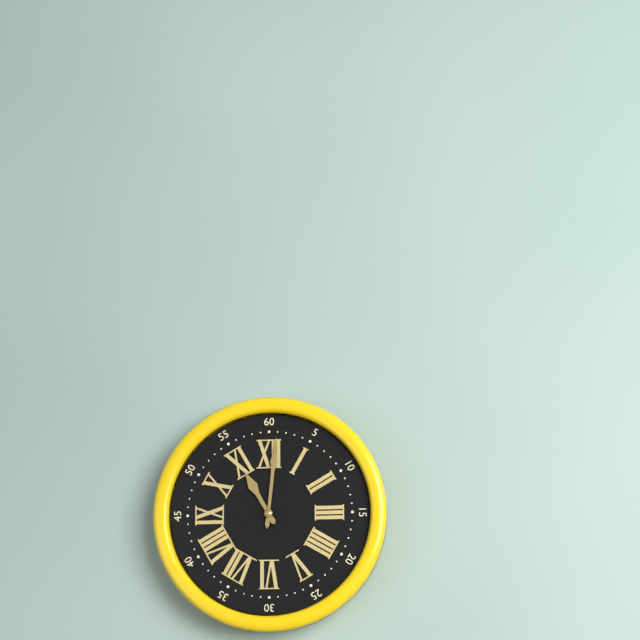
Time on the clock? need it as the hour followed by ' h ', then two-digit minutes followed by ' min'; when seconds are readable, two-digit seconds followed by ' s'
11 h 01 min
